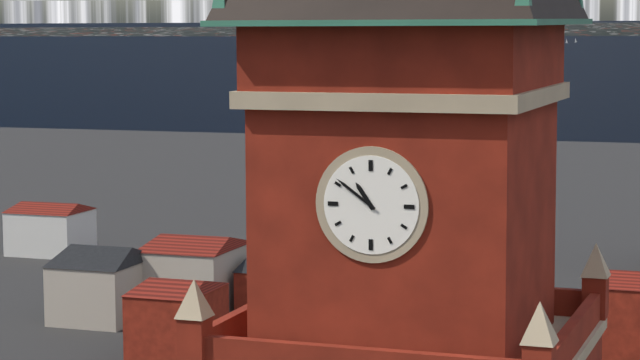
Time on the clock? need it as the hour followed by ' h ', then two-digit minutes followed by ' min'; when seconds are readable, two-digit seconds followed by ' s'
10 h 51 min
